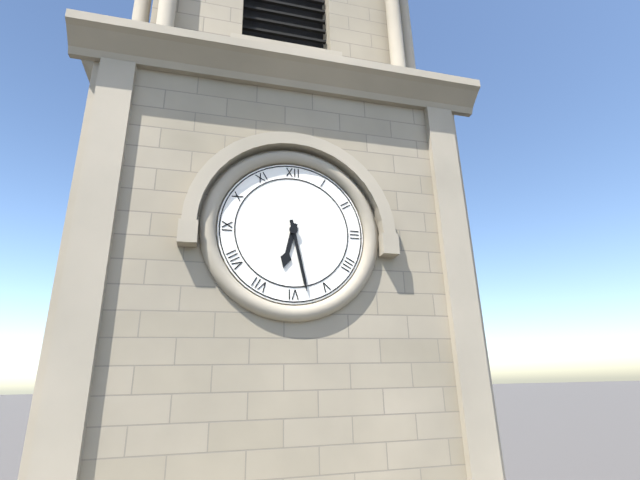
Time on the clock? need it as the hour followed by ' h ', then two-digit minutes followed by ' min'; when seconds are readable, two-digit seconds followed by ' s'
6 h 28 min
